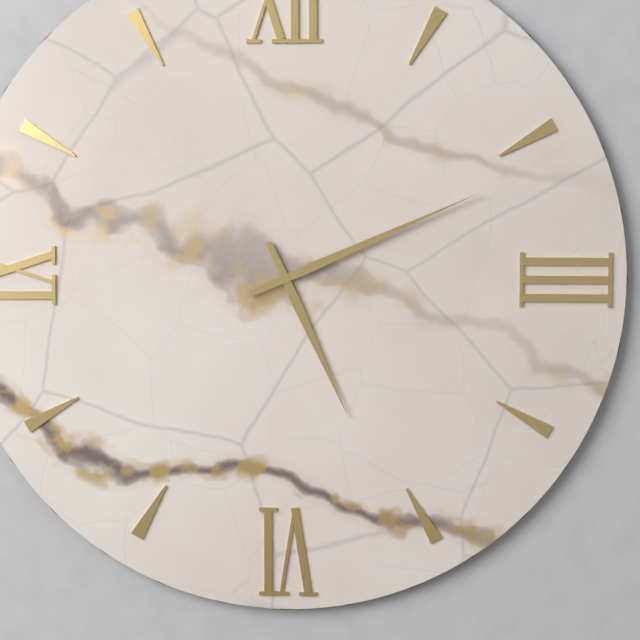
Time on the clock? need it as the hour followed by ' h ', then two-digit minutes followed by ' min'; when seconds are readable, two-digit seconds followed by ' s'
5 h 11 min
